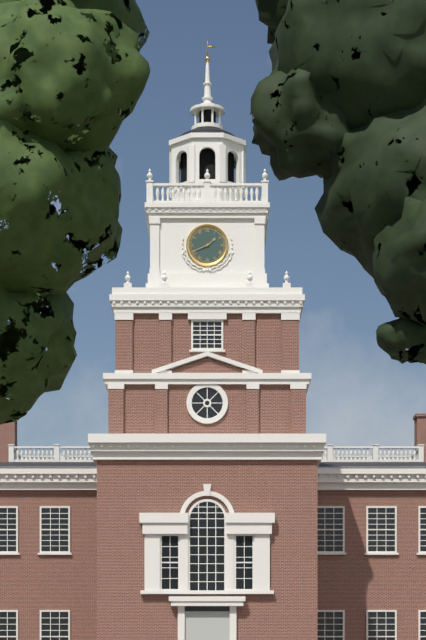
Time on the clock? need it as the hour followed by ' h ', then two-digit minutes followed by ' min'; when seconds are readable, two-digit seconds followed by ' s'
1 h 41 min
